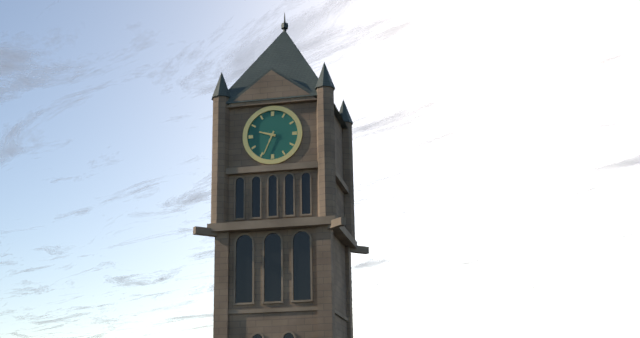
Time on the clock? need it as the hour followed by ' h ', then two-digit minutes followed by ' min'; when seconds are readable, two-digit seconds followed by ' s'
9 h 34 min
